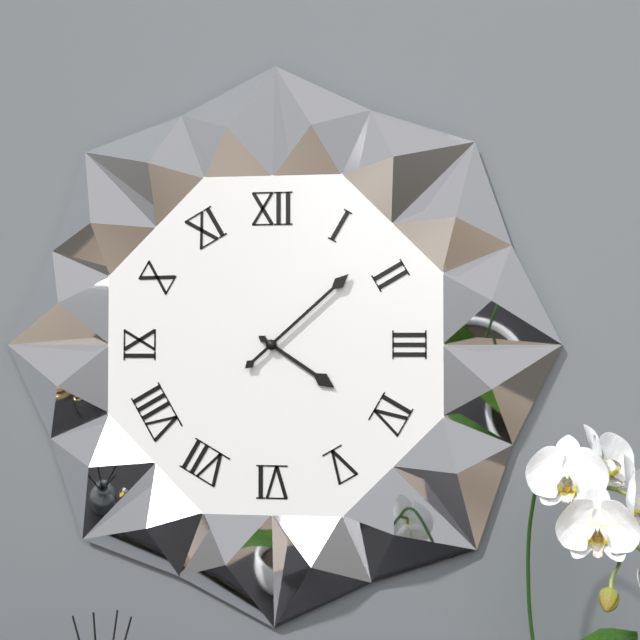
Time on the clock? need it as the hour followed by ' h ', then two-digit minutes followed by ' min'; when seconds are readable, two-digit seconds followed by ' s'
4 h 08 min
